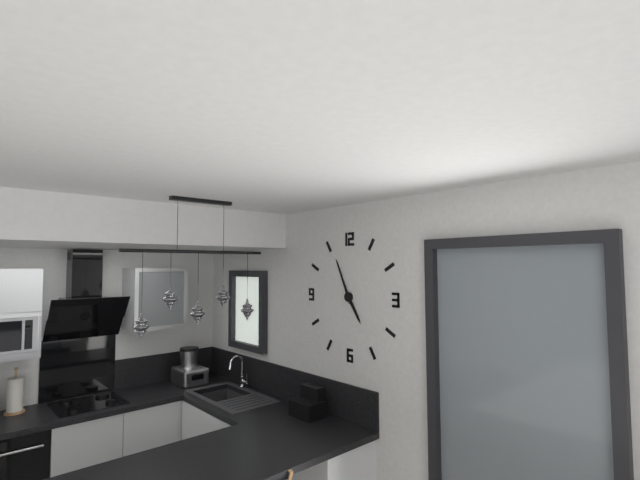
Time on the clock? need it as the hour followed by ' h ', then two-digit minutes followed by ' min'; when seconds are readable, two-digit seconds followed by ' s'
4 h 56 min
